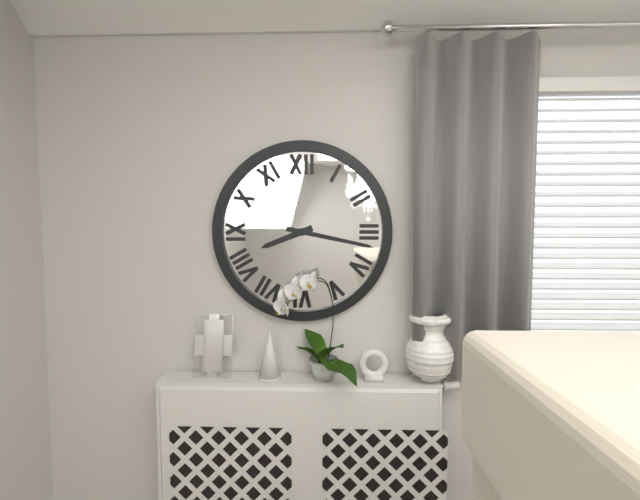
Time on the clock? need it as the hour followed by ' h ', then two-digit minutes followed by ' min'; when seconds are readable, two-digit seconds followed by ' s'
8 h 17 min
